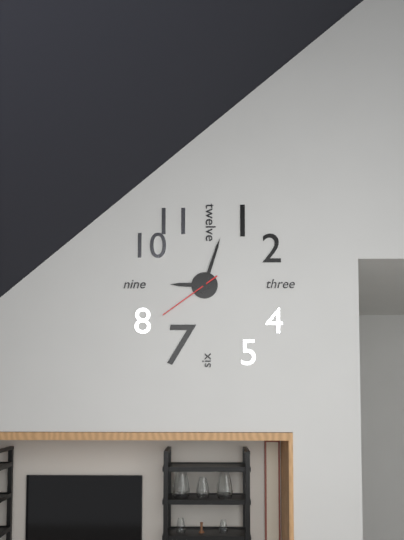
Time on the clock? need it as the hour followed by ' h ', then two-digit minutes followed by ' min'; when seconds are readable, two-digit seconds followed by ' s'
9 h 03 min 39 s
